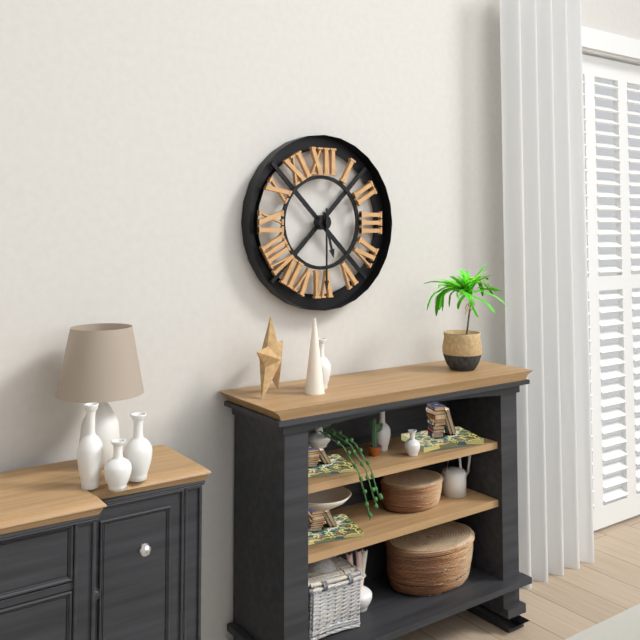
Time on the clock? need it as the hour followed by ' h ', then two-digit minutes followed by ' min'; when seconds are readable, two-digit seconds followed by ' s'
5 h 30 min
